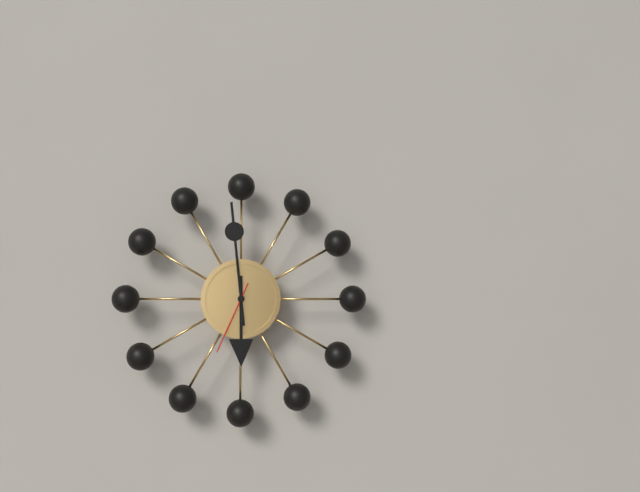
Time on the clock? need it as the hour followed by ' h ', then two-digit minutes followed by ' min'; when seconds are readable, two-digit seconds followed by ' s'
5 h 59 min 34 s
